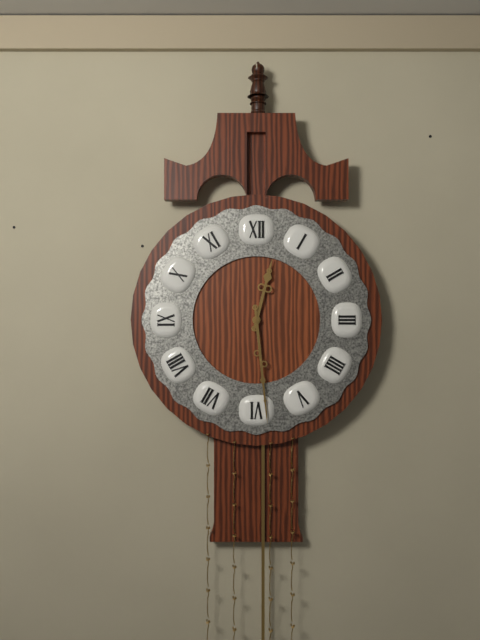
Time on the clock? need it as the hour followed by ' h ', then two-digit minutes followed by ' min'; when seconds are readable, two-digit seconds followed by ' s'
12 h 29 min
